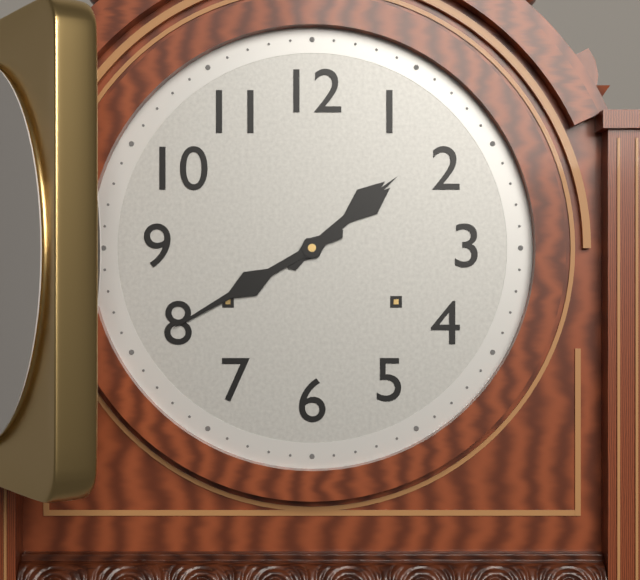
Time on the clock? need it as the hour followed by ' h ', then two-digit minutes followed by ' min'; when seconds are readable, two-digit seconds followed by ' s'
1 h 40 min
